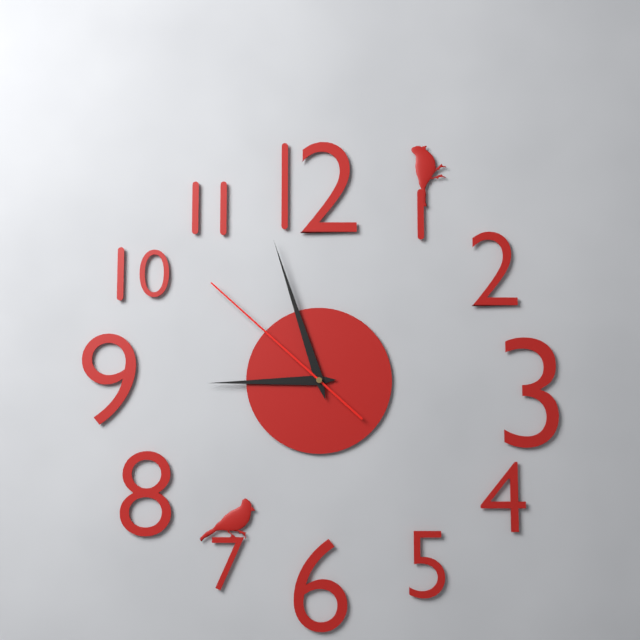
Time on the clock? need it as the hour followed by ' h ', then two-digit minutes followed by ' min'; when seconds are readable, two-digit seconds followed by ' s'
8 h 57 min 52 s
